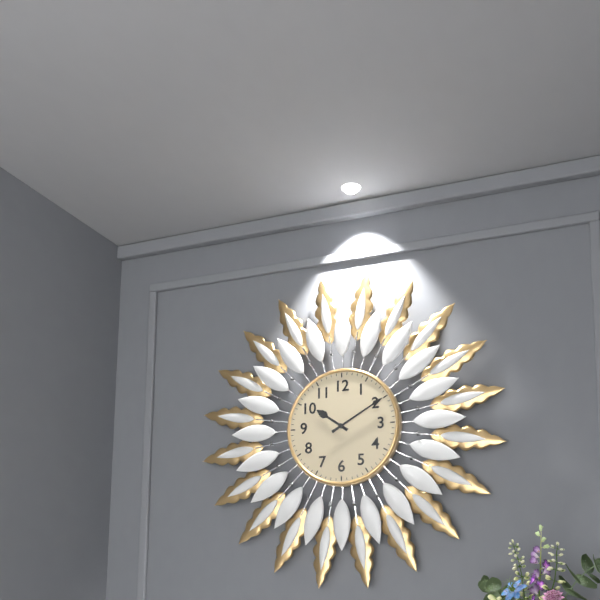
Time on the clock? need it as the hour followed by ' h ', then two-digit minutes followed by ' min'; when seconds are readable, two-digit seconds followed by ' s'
10 h 10 min
